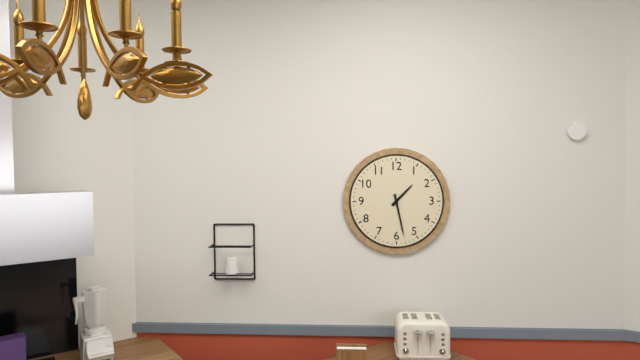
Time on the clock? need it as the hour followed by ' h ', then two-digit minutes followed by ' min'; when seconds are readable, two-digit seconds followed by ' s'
1 h 28 min
